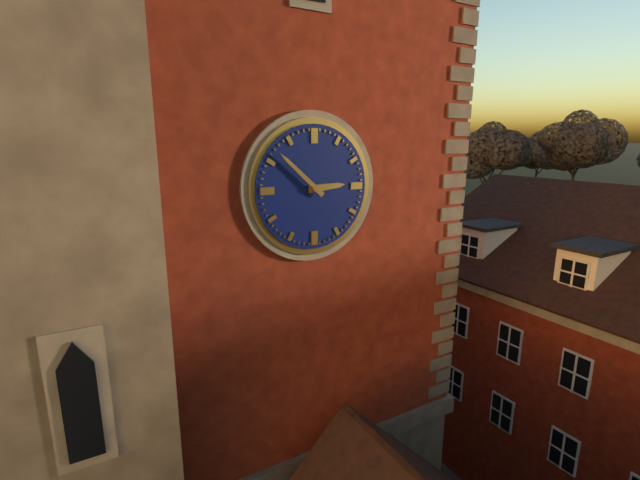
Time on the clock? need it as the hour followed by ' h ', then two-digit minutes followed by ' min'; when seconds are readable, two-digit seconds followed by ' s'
2 h 52 min
